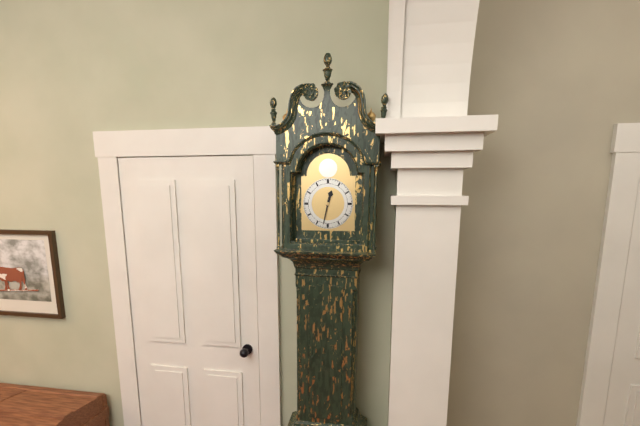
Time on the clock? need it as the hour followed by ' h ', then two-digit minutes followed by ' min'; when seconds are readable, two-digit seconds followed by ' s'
12 h 32 min
